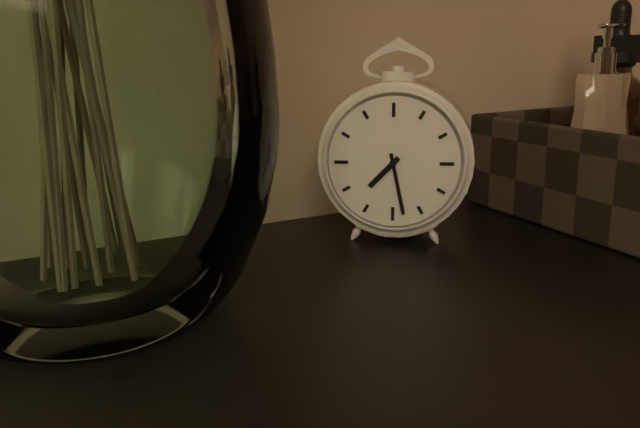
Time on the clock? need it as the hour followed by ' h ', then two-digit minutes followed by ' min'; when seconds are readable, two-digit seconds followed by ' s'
7 h 28 min
